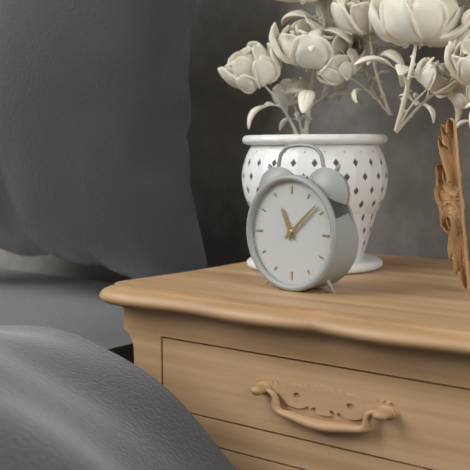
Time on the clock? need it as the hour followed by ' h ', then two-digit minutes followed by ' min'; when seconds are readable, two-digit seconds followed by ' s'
11 h 08 min
